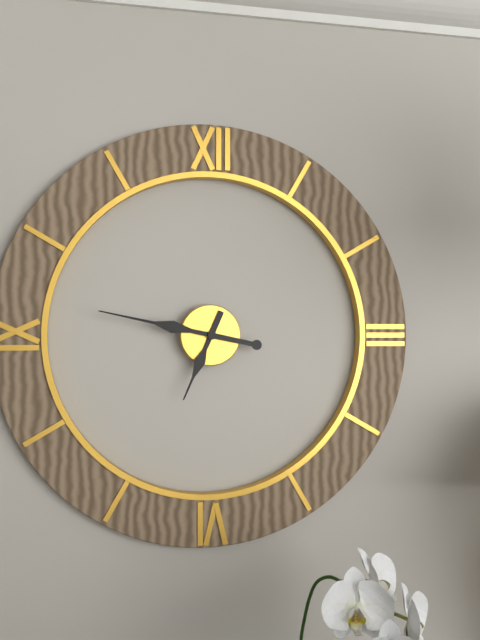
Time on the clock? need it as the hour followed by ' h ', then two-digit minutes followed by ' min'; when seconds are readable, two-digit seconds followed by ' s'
6 h 47 min
